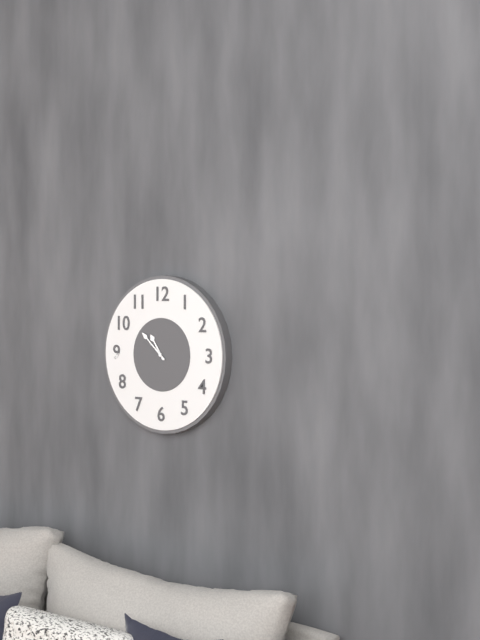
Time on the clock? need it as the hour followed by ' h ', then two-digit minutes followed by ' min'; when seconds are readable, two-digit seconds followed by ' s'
10 h 52 min
